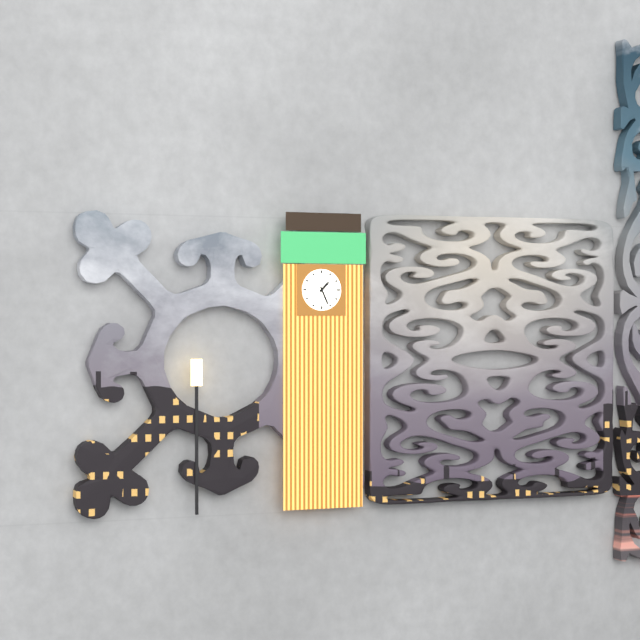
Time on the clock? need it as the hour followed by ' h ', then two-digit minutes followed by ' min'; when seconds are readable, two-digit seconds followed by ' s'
1 h 26 min
